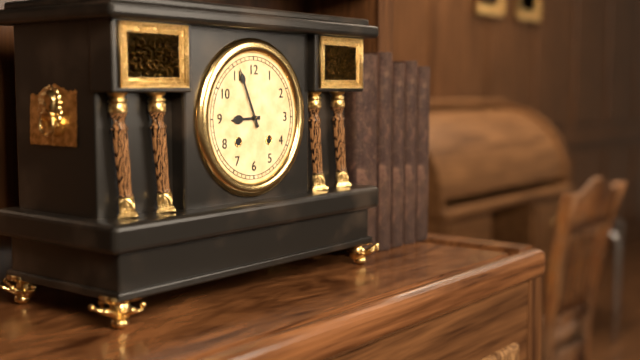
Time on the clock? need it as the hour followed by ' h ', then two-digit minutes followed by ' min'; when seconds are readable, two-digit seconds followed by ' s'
8 h 56 min
